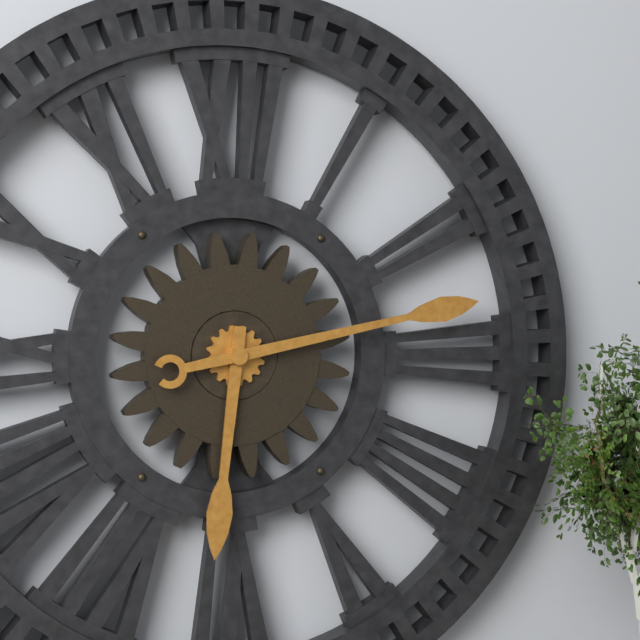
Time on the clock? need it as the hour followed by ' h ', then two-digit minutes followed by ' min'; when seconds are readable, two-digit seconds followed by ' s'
6 h 13 min
